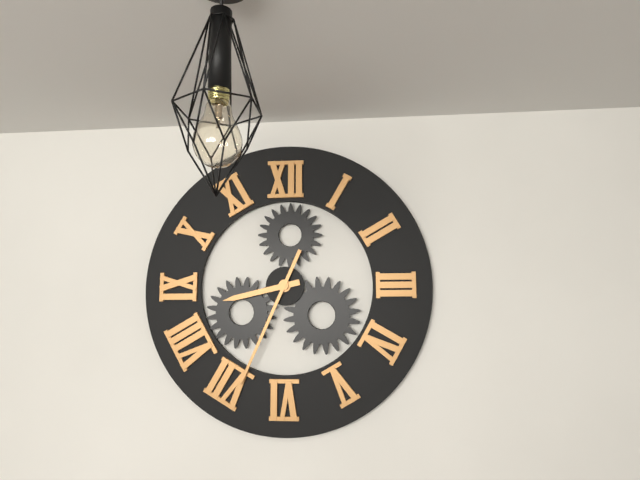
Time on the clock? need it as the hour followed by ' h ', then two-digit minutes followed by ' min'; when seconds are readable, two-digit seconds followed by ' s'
8 h 34 min
